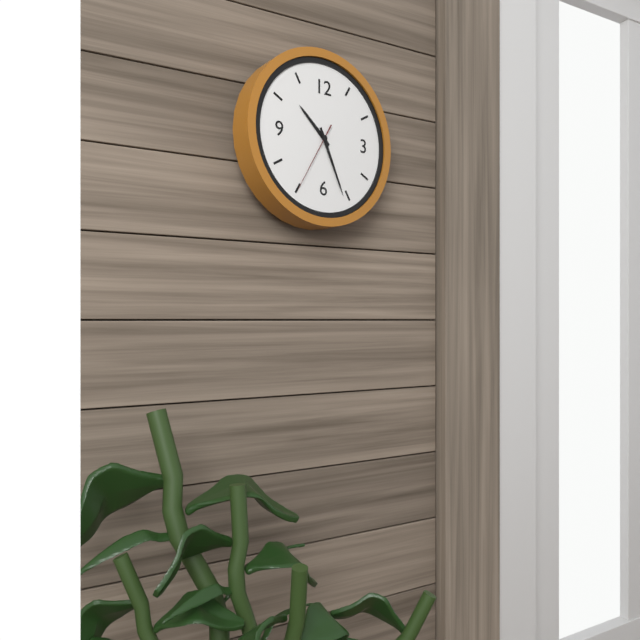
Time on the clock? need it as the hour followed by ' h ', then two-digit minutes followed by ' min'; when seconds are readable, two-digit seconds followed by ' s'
10 h 26 min 35 s
